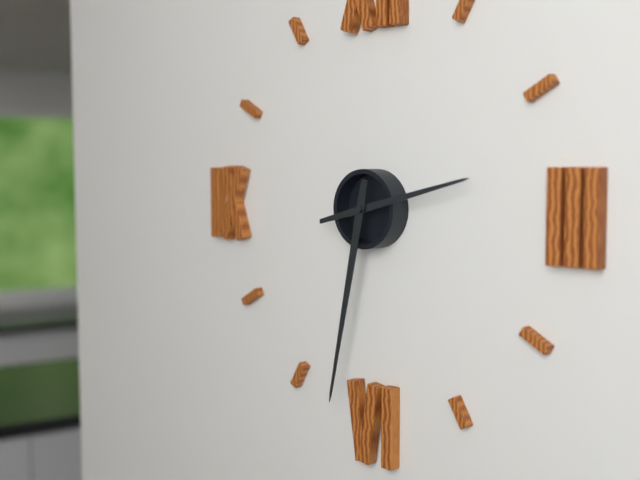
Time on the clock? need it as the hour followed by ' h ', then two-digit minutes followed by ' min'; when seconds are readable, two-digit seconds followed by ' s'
2 h 32 min
